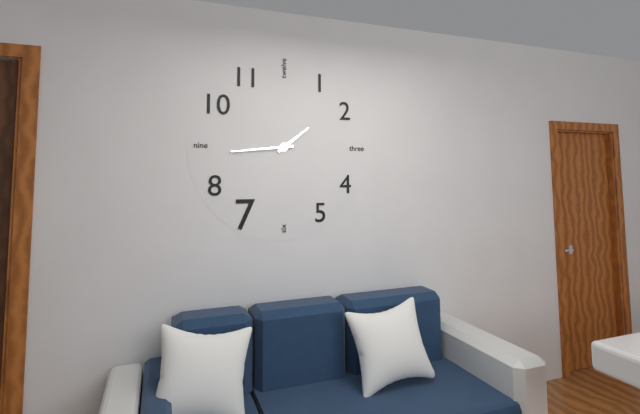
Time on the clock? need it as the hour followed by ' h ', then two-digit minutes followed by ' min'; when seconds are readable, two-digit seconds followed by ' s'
1 h 44 min
